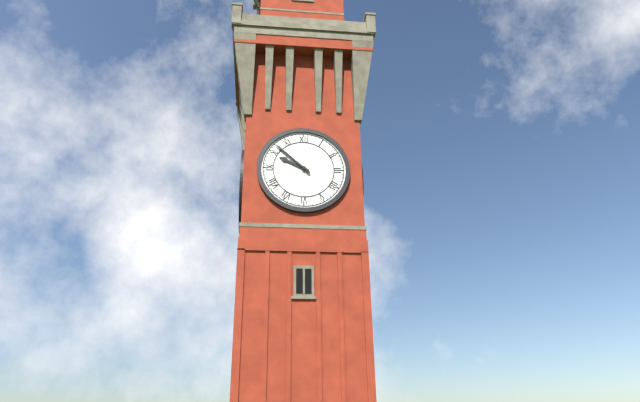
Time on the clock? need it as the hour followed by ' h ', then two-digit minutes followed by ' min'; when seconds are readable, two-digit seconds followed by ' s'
9 h 52 min
